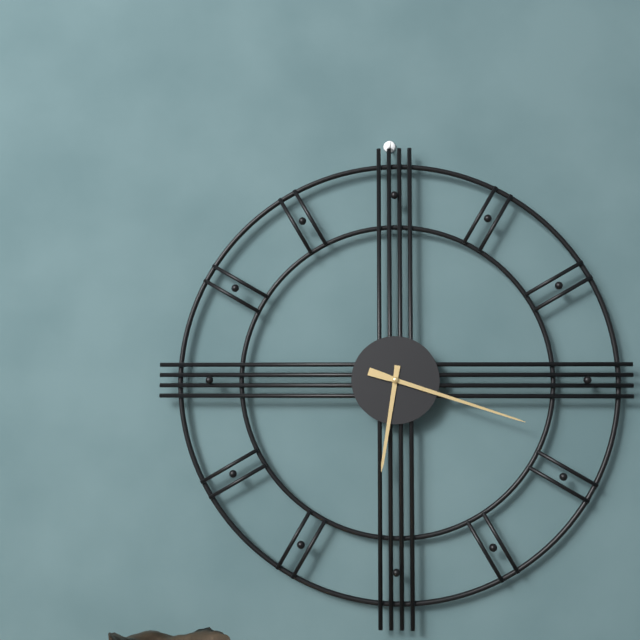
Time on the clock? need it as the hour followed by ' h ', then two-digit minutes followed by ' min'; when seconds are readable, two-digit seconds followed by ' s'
6 h 18 min
